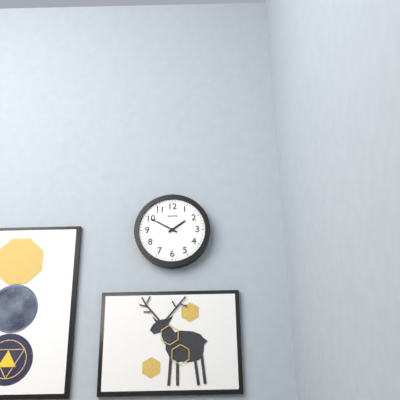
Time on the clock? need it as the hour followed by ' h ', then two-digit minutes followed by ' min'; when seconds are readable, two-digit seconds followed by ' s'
1 h 50 min
